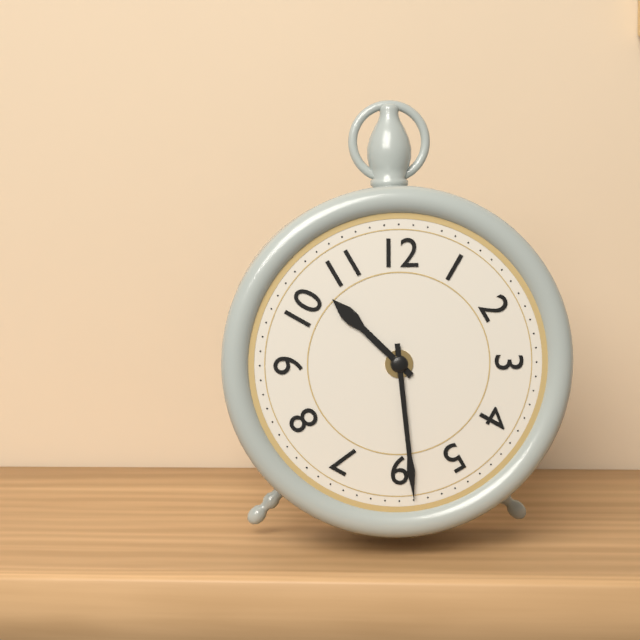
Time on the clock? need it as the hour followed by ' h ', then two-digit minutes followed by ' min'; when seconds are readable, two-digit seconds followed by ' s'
10 h 29 min
